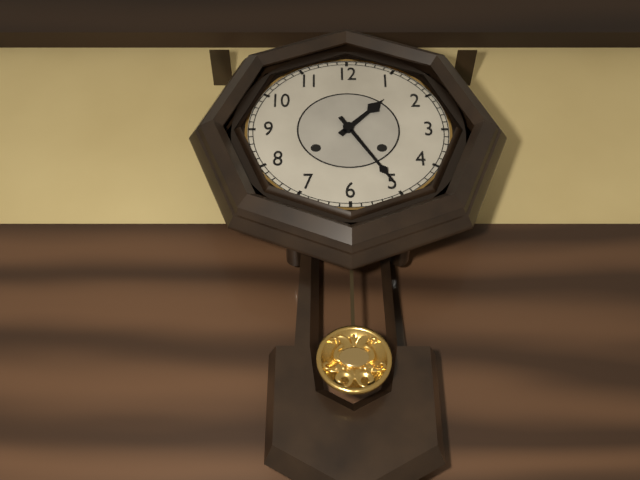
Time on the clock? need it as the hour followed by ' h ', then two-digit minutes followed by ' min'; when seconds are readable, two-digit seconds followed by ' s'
1 h 25 min
